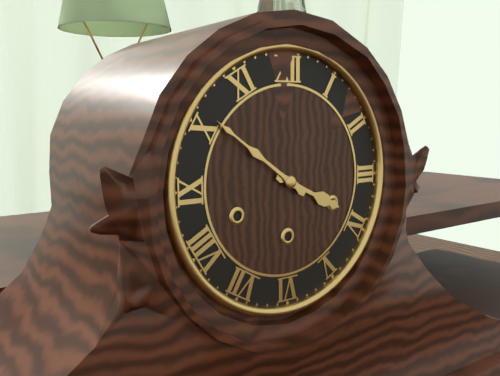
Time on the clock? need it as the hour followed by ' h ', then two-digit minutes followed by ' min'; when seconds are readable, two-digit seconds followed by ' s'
3 h 51 min
